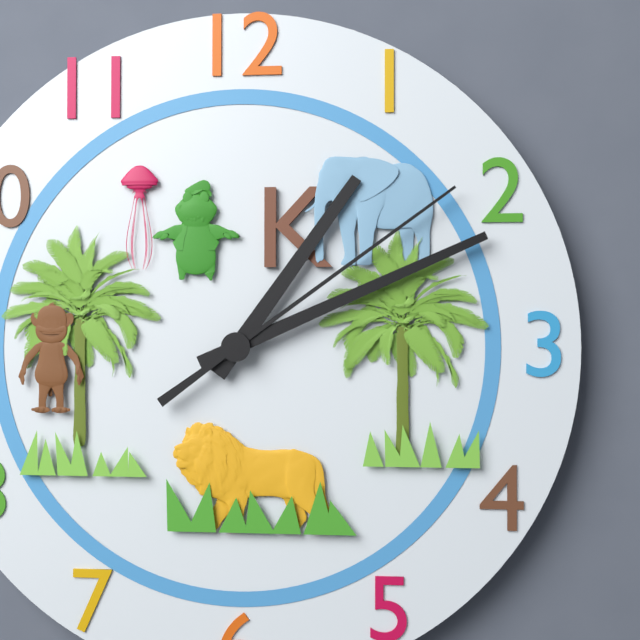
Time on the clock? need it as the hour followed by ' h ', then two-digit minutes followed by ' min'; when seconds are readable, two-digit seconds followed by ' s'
1 h 11 min 09 s
